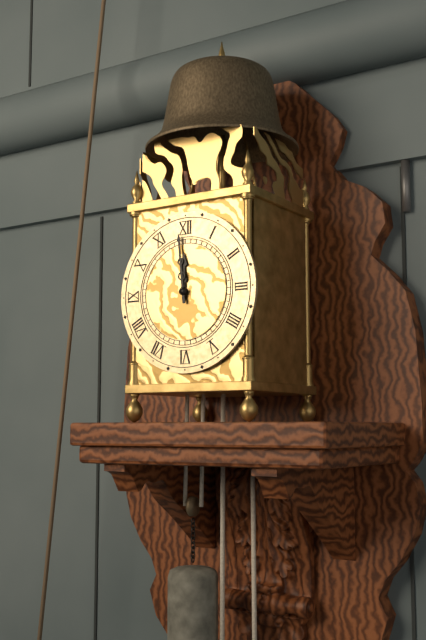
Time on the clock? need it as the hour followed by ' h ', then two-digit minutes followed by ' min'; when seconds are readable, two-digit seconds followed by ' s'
11 h 59 min
